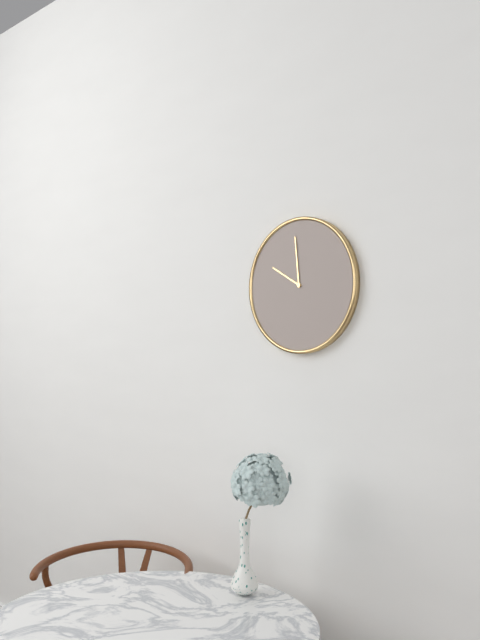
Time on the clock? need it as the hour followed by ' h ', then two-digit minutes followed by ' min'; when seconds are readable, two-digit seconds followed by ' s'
9 h 59 min
